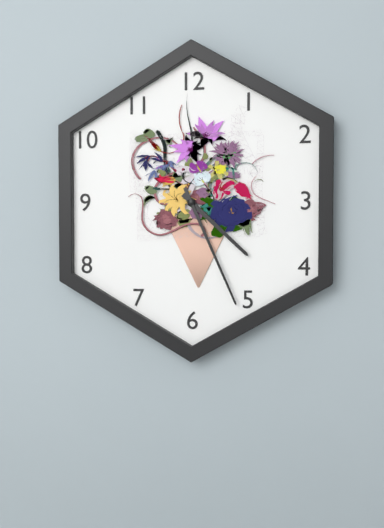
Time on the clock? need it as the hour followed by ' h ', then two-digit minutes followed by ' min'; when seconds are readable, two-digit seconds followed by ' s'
4 h 26 min
